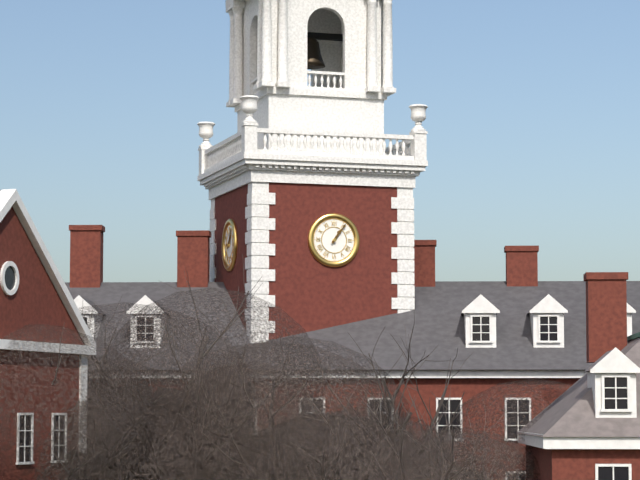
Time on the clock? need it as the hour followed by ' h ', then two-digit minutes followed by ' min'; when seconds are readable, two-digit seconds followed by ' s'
1 h 06 min
